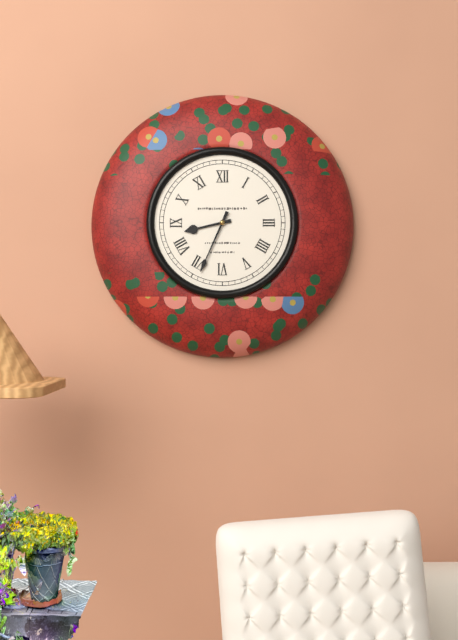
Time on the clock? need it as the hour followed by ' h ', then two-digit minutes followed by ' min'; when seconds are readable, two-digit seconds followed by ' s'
8 h 34 min
